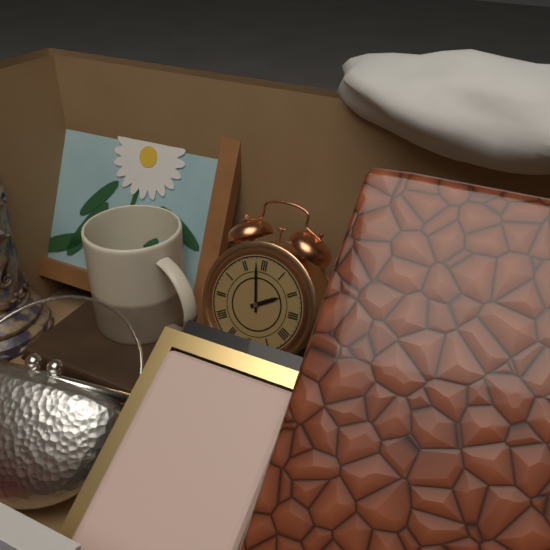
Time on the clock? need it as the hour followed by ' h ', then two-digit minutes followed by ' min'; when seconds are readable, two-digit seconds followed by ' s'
1 h 58 min
